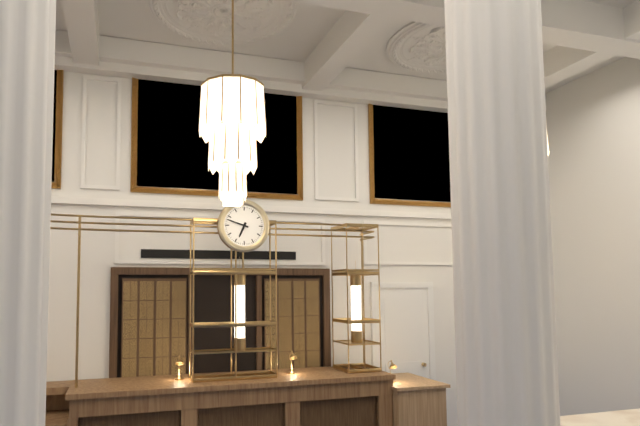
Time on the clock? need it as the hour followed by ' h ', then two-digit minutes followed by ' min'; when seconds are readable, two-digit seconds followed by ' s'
6 h 48 min
